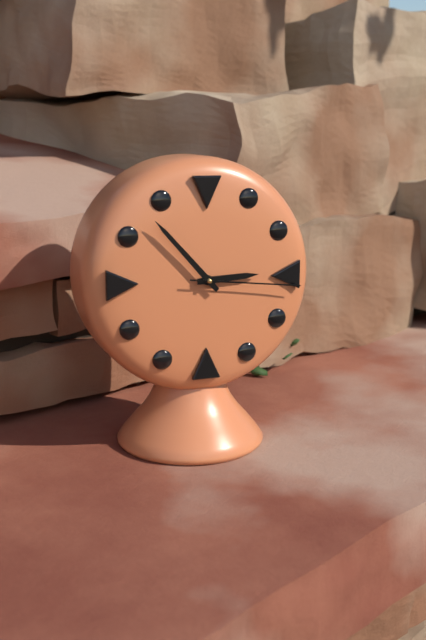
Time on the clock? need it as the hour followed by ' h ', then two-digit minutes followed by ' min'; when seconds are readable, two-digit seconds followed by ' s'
2 h 53 min 16 s
